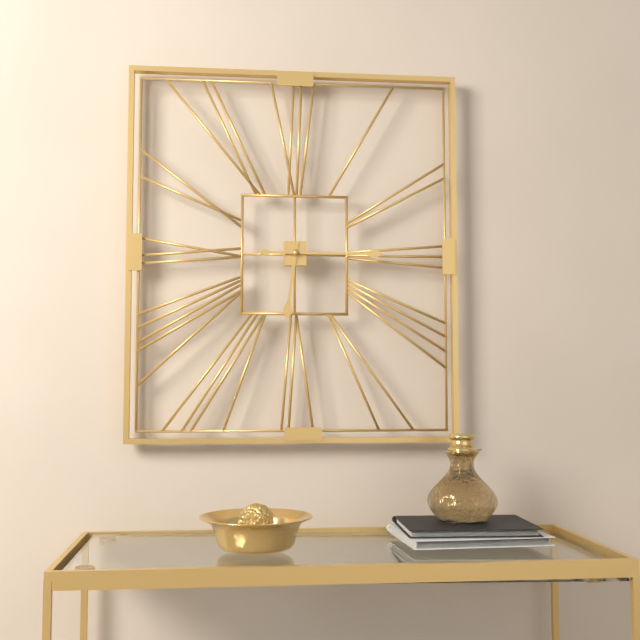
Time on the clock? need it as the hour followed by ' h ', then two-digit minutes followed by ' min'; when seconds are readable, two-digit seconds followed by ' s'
6 h 15 min
